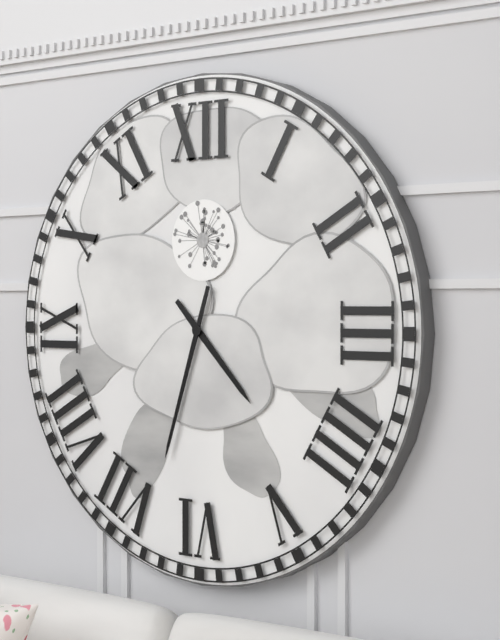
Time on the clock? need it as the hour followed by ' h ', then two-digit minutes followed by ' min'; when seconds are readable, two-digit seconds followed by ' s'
4 h 33 min
